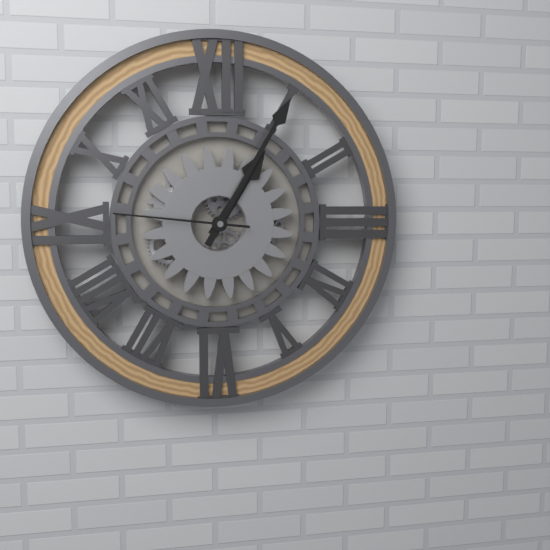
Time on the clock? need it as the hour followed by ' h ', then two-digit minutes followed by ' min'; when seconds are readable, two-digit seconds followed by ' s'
1 h 05 min 46 s
